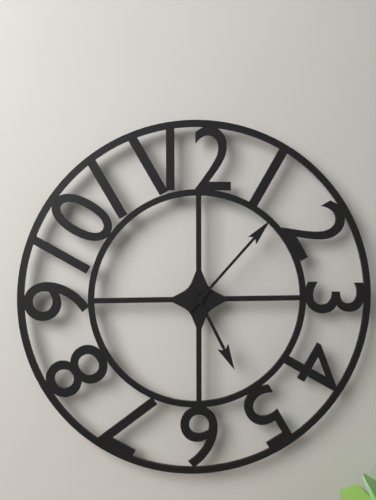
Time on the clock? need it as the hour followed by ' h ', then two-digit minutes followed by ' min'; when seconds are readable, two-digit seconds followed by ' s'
5 h 07 min
